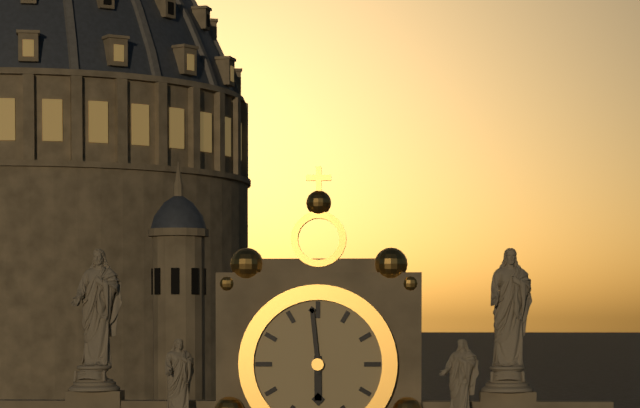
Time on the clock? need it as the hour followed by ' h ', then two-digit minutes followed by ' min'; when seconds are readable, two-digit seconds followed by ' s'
5 h 59 min
